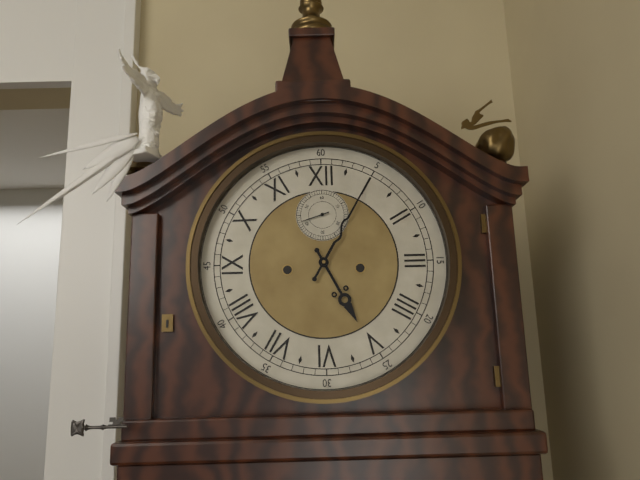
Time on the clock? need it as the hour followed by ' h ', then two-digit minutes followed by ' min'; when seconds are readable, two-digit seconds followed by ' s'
5 h 05 min
